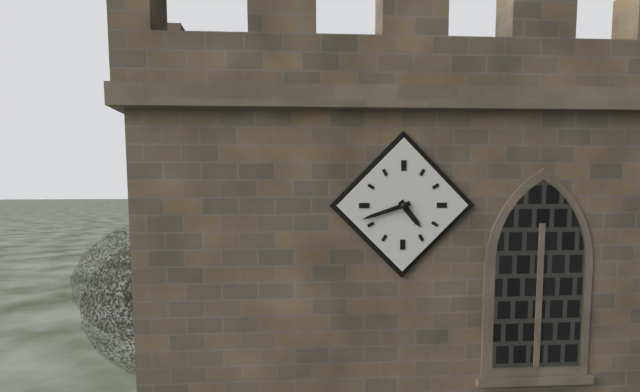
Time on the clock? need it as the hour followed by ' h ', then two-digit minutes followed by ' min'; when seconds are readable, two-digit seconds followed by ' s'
4 h 42 min
